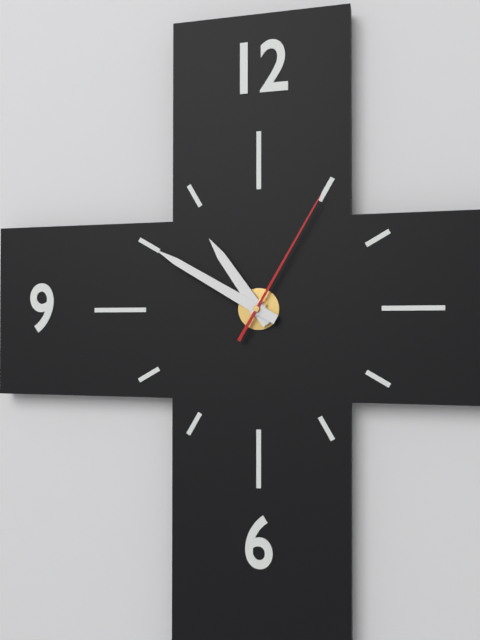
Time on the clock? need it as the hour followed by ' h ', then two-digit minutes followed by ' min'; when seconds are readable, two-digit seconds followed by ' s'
10 h 50 min 05 s
